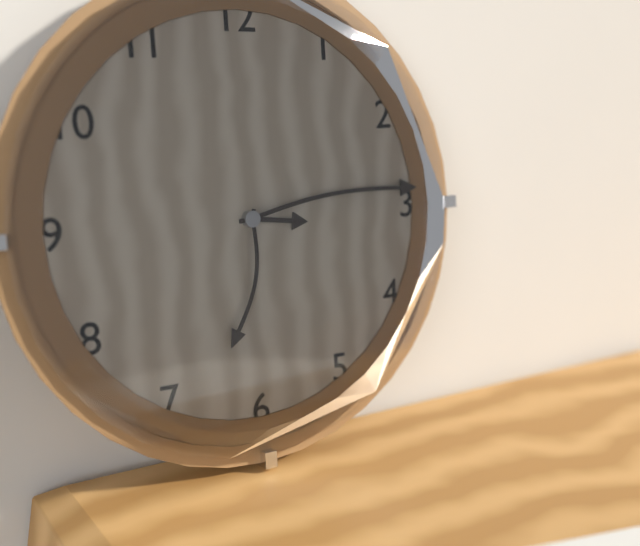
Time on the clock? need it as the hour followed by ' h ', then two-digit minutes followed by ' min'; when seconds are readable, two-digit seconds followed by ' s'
3 h 14 min 32 s
